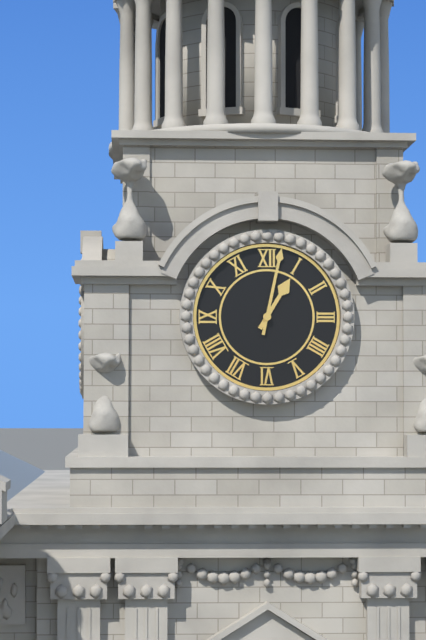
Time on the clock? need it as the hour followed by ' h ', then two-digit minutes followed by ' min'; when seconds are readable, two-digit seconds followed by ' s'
1 h 02 min
